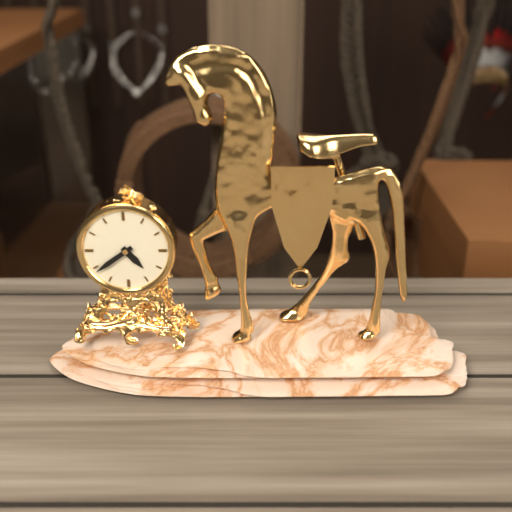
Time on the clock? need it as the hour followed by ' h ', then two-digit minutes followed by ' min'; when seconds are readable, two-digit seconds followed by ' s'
4 h 39 min
